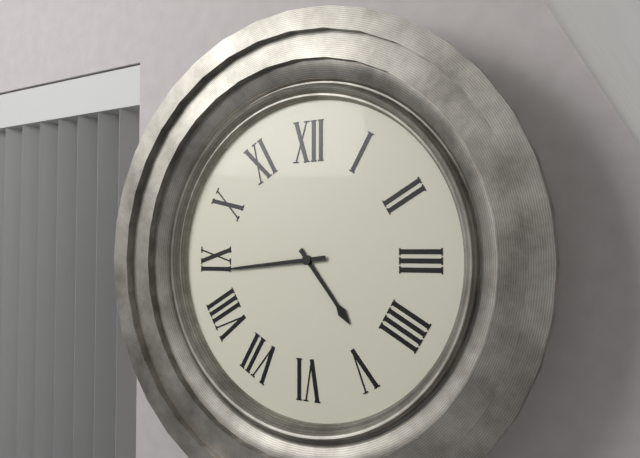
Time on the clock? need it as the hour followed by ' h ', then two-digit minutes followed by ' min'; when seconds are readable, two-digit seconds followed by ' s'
4 h 44 min
